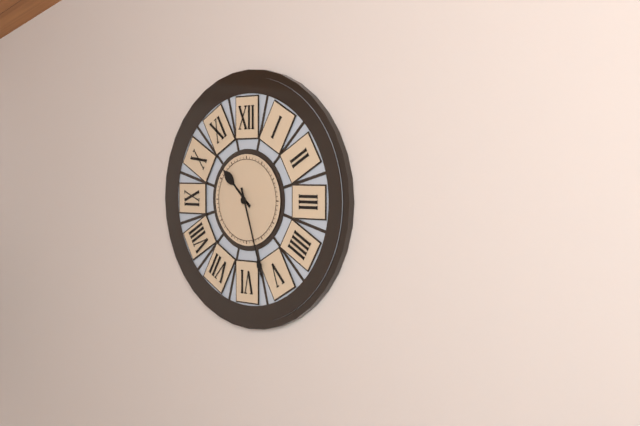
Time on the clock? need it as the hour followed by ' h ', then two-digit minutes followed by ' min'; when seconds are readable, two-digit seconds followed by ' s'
10 h 27 min
